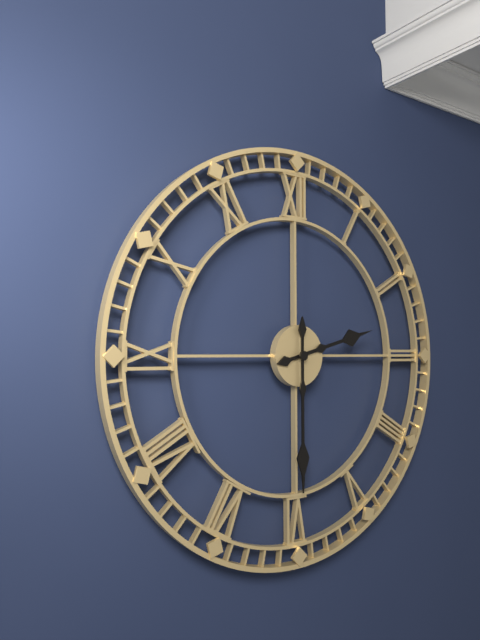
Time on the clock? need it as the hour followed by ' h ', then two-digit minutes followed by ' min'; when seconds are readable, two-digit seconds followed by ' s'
2 h 30 min
